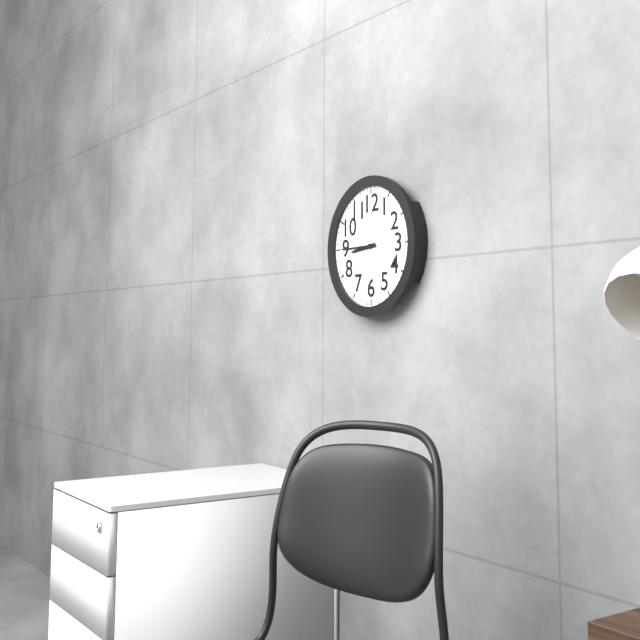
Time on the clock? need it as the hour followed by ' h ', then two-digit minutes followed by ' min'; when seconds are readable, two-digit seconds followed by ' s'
8 h 45 min
